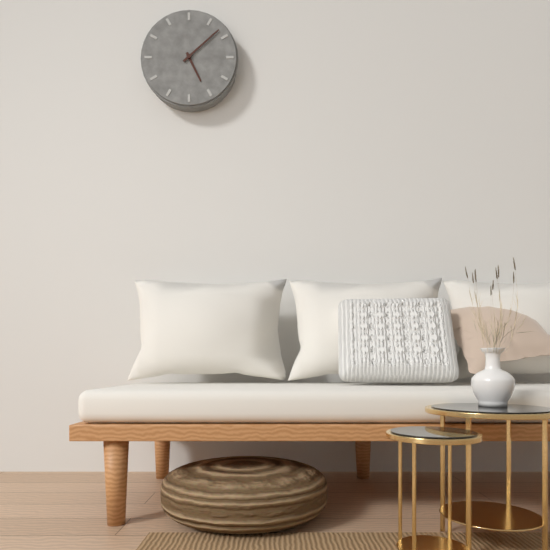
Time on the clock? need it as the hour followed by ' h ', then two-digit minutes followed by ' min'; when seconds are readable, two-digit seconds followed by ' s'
5 h 08 min
